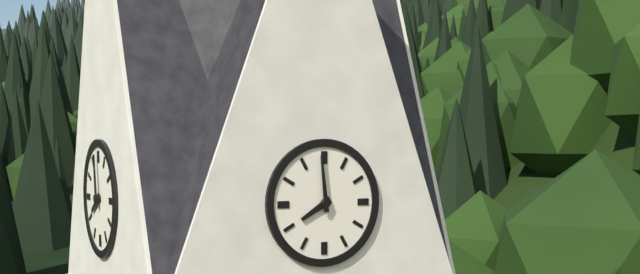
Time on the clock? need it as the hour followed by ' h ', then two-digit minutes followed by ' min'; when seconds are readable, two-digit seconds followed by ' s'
7 h 59 min
